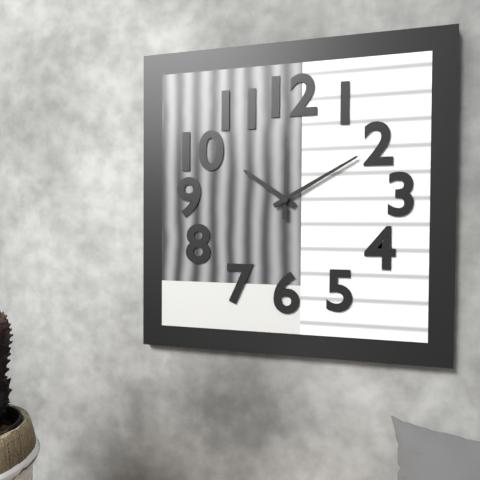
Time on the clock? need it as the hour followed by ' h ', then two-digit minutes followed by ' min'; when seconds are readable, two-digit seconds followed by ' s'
10 h 10 min 00 s
